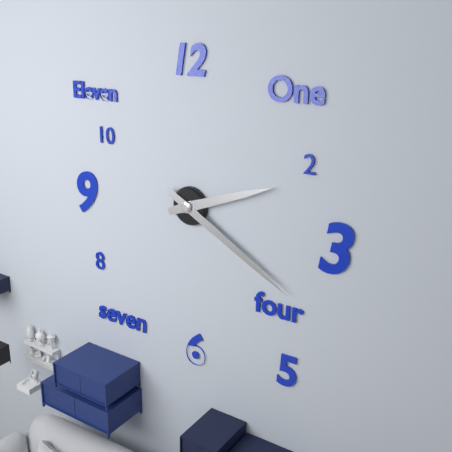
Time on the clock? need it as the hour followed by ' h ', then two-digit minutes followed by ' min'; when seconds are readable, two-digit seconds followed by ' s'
2 h 20 min
